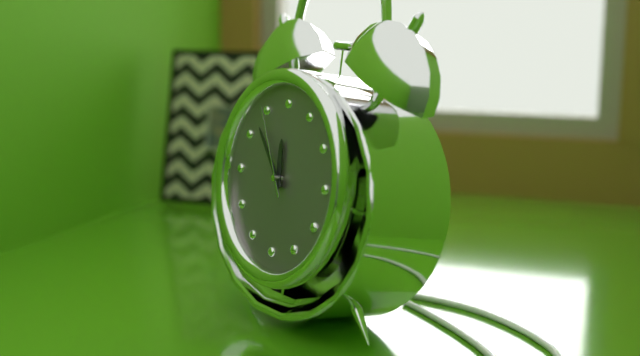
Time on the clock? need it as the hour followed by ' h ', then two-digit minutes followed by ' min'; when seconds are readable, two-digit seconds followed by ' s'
11 h 53 min 55 s
